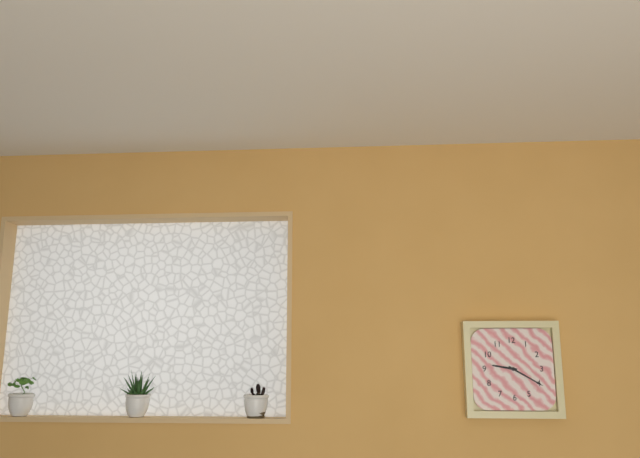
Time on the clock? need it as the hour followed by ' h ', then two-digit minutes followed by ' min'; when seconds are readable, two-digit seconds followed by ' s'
9 h 20 min
